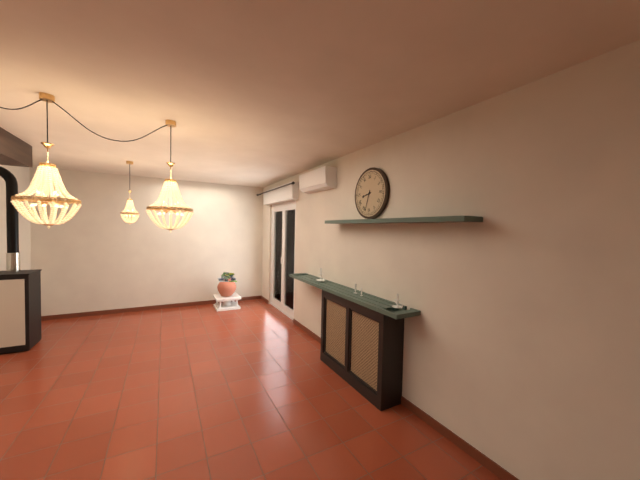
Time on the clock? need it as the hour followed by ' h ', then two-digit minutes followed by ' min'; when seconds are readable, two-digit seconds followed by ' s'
8 h 33 min
